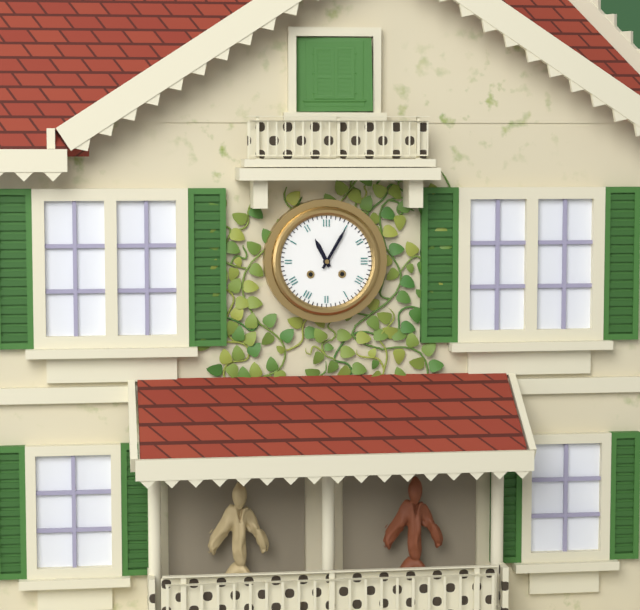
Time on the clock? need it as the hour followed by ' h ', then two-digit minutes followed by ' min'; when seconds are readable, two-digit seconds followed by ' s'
11 h 05 min
